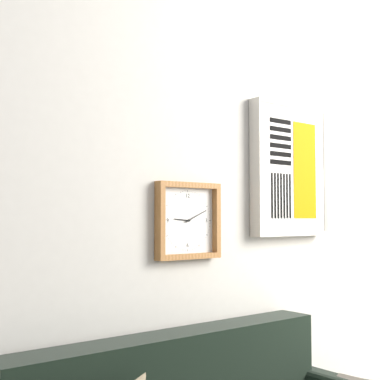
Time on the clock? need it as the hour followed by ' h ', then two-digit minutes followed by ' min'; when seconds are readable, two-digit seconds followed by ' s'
9 h 11 min
